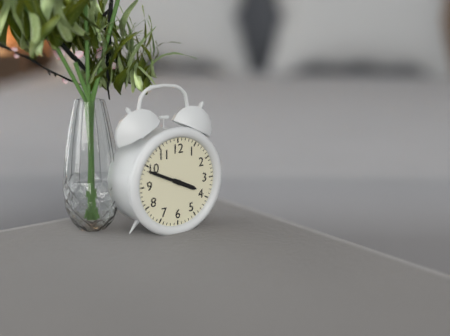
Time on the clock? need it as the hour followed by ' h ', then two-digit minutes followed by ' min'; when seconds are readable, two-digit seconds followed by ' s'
3 h 49 min
